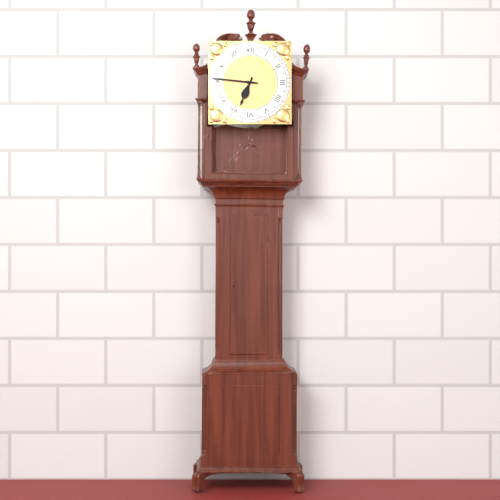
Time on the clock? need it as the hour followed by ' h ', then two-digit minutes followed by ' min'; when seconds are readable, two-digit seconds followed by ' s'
6 h 46 min
